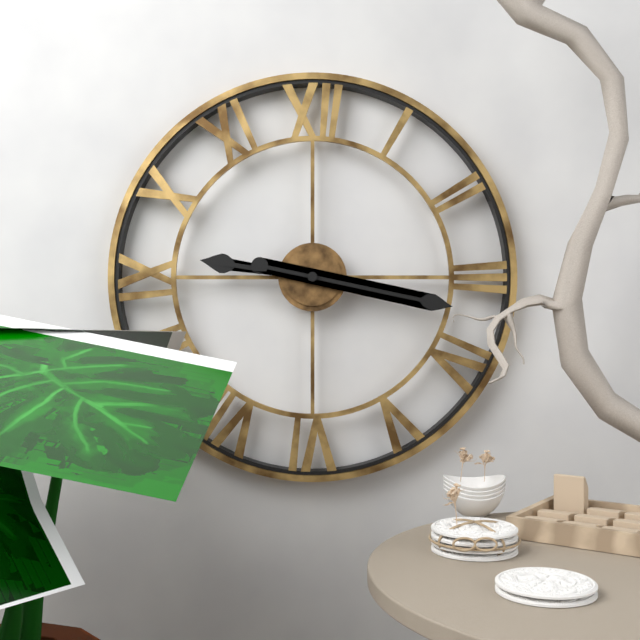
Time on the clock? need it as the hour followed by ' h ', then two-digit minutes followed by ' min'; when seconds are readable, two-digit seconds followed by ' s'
9 h 17 min
